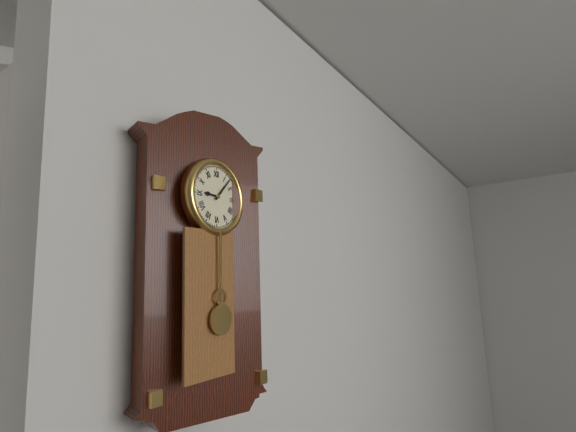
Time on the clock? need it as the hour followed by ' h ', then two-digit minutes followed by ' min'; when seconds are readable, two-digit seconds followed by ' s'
9 h 07 min
